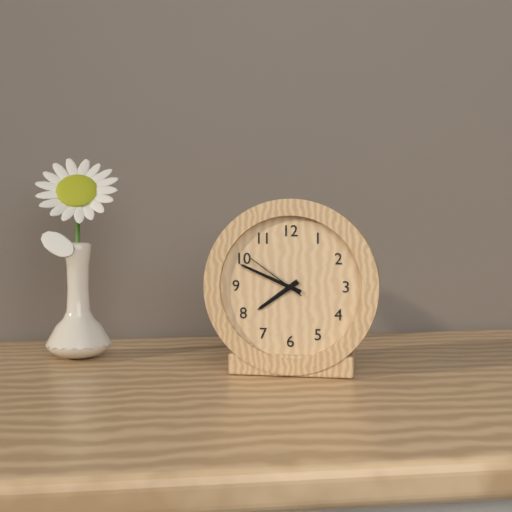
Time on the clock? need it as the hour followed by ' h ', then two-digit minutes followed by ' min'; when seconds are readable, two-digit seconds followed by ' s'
7 h 49 min 51 s
